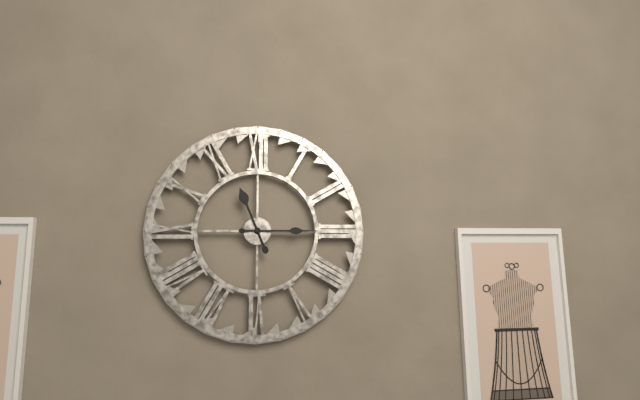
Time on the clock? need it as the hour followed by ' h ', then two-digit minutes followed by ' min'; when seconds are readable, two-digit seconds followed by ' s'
11 h 15 min
